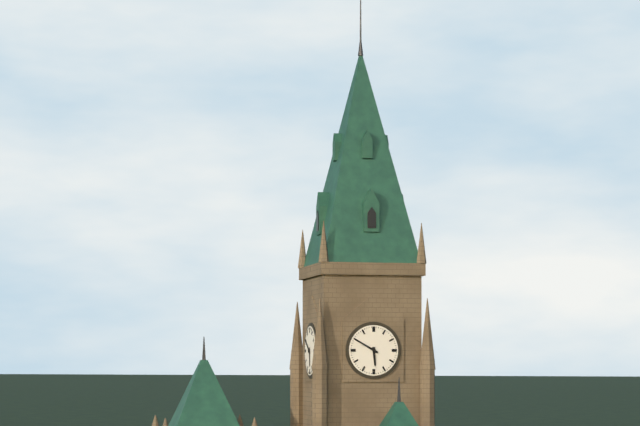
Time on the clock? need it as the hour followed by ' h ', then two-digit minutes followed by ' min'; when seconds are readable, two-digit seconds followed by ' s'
5 h 50 min
